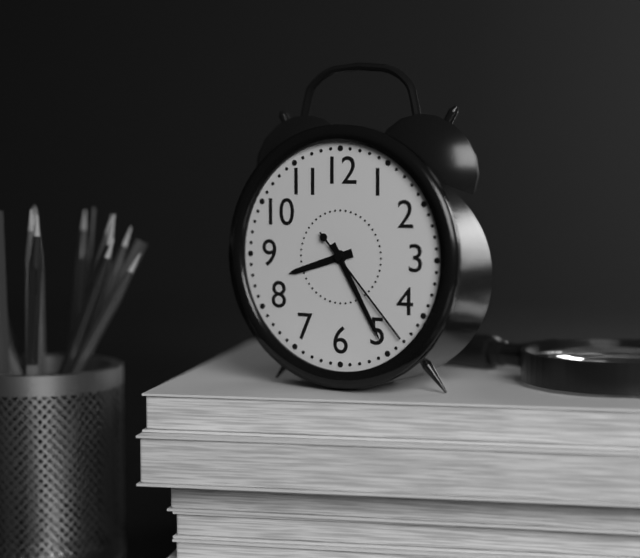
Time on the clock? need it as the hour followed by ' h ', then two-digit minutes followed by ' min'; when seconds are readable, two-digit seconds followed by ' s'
8 h 25 min 23 s
